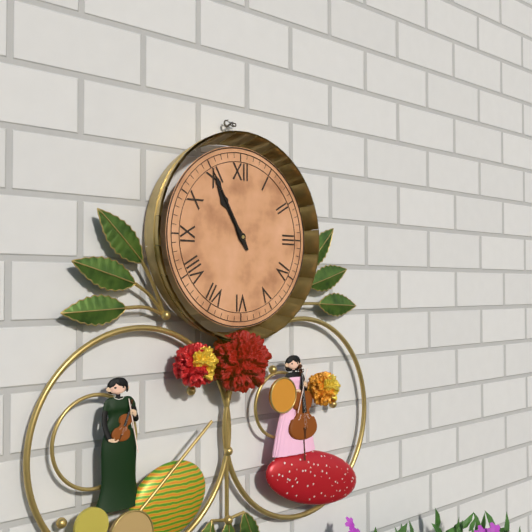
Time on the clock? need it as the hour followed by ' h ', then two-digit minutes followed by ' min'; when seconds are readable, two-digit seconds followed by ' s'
10 h 55 min
